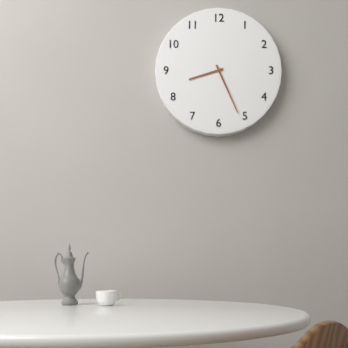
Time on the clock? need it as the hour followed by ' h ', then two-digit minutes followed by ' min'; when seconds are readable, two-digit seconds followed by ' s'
8 h 26 min
